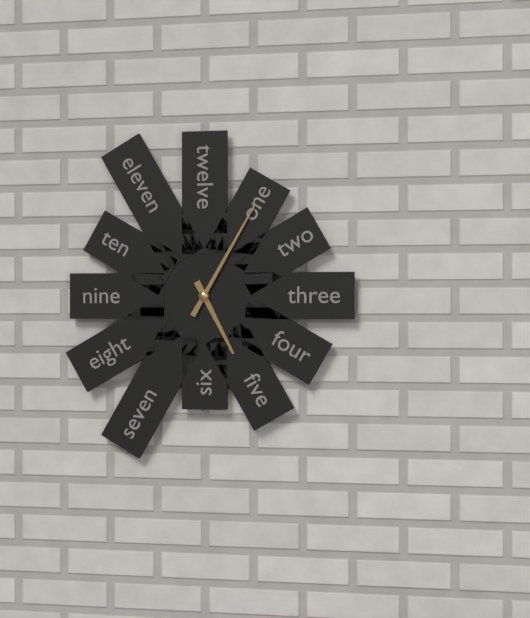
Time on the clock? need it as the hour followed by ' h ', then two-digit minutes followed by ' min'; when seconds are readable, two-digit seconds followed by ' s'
5 h 05 min
